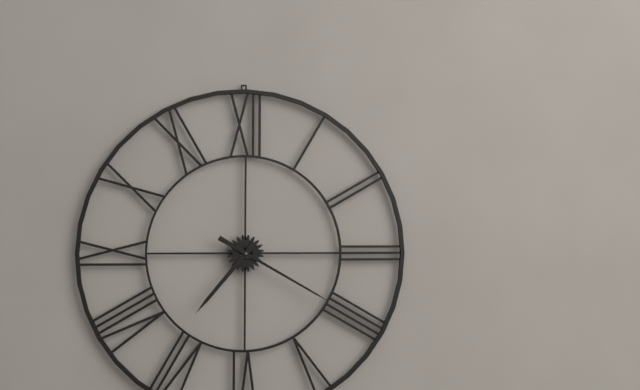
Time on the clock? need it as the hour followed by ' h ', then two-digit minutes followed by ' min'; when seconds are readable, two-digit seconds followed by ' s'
7 h 20 min
